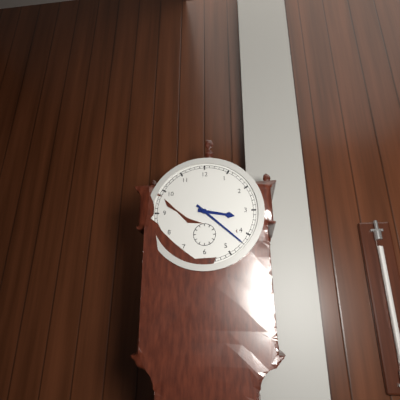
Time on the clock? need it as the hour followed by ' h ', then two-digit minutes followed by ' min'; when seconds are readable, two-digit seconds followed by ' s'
3 h 22 min
